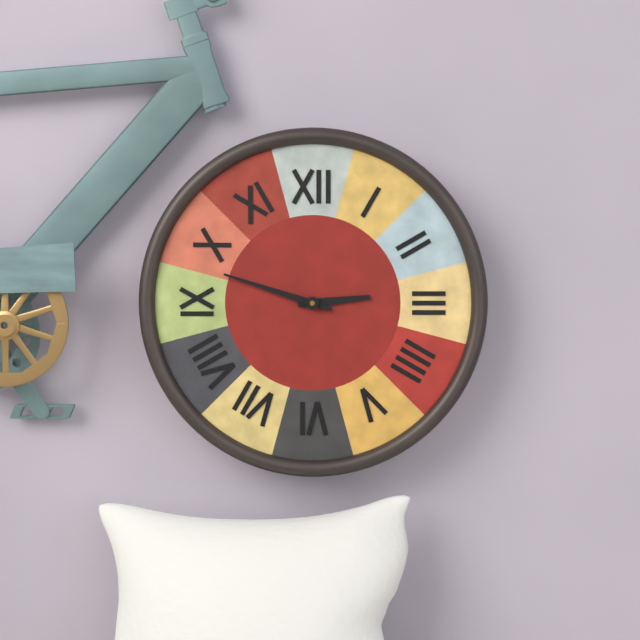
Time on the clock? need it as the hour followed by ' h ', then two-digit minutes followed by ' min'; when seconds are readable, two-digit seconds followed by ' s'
2 h 48 min
